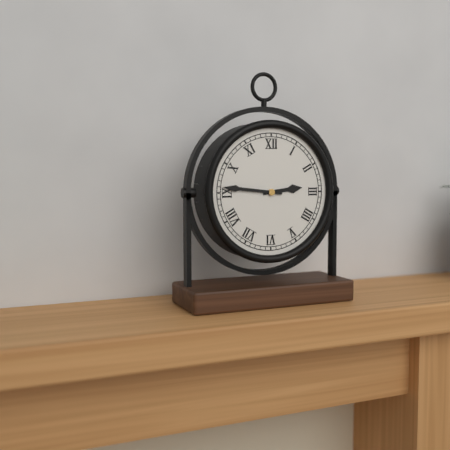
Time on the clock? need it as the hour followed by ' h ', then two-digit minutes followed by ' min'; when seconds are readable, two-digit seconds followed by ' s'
2 h 46 min
